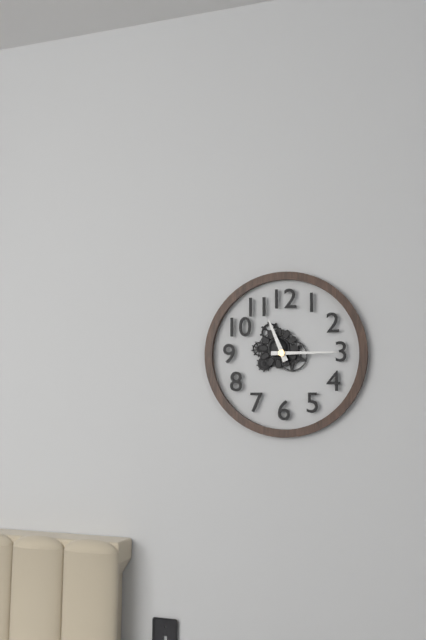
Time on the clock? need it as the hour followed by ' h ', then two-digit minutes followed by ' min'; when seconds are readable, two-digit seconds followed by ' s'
11 h 15 min
